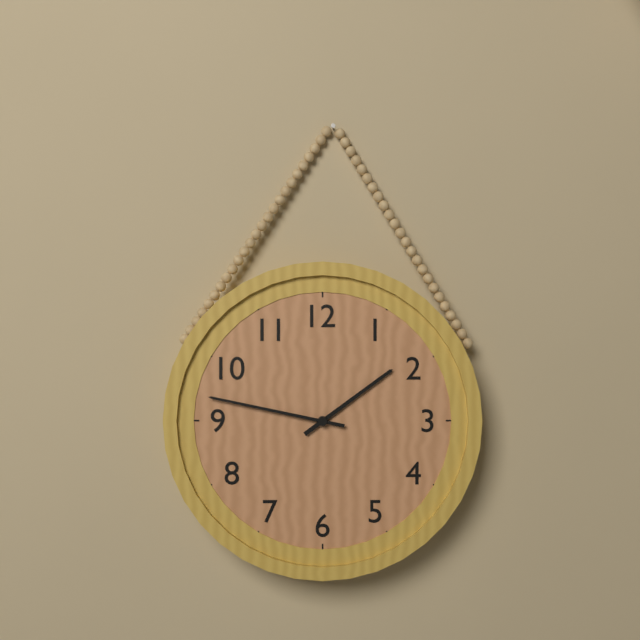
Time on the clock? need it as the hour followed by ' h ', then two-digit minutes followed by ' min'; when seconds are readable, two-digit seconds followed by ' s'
1 h 47 min
